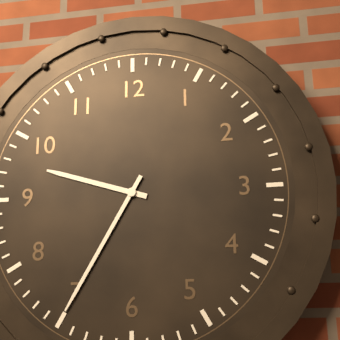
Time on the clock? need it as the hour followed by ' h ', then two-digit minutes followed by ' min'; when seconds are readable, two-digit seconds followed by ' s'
9 h 35 min
